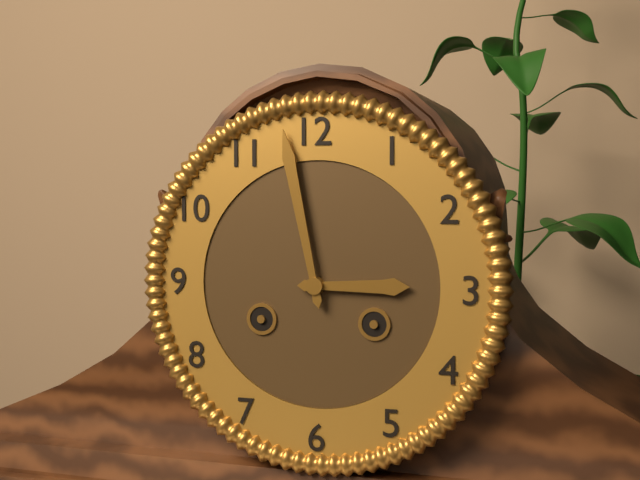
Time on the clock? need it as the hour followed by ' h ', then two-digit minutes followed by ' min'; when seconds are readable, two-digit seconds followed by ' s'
2 h 58 min
